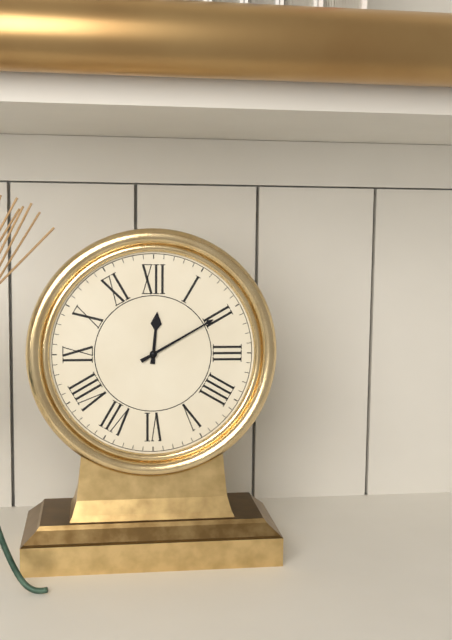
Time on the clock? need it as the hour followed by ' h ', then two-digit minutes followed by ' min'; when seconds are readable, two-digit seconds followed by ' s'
12 h 10 min
